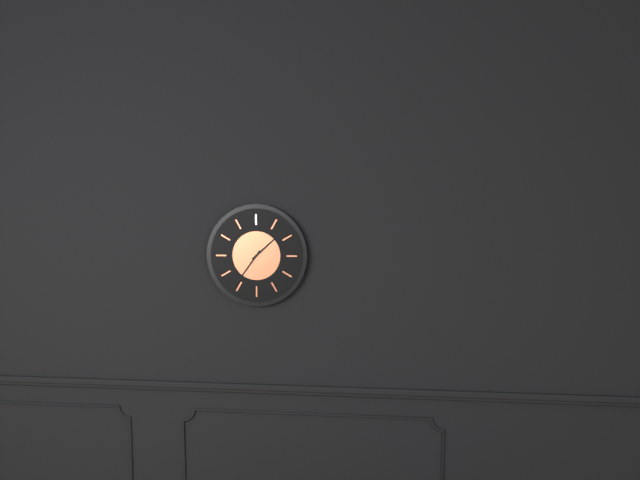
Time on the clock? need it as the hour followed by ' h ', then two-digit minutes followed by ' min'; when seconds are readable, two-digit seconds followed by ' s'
1 h 36 min
